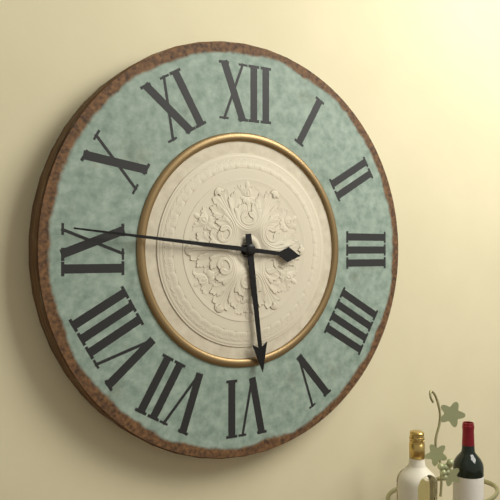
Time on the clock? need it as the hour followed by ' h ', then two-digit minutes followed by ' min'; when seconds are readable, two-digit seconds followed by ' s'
5 h 46 min
